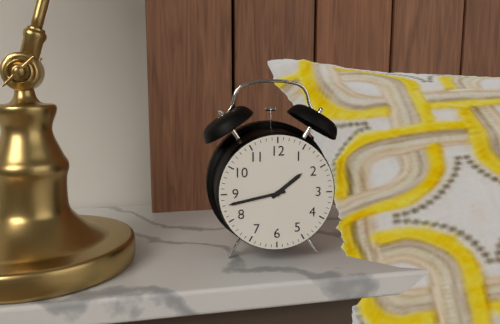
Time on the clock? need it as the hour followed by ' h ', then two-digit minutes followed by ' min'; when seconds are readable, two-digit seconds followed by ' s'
1 h 43 min
